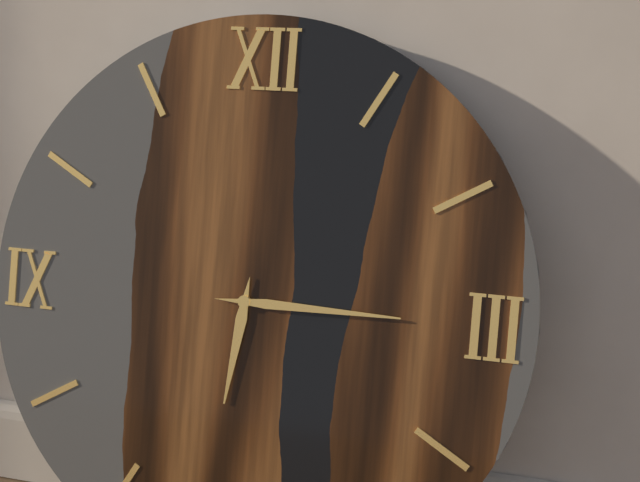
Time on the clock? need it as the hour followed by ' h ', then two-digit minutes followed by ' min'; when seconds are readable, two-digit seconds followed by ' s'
6 h 15 min
